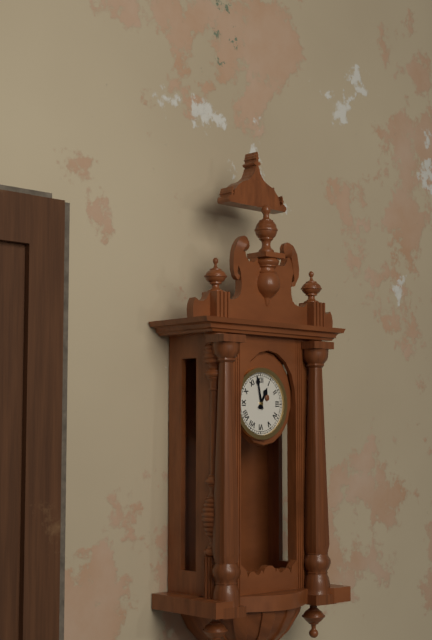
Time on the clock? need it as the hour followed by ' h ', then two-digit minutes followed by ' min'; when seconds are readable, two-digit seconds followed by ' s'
12 h 58 min
